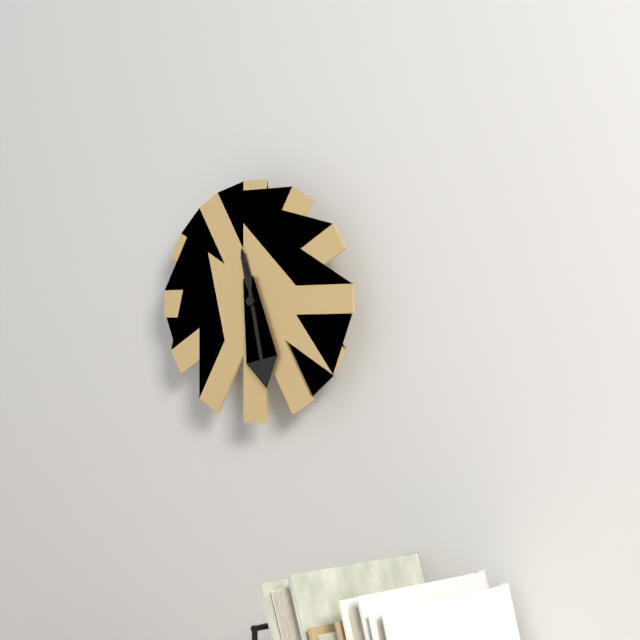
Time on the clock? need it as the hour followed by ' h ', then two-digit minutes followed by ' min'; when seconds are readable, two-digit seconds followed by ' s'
11 h 28 min
